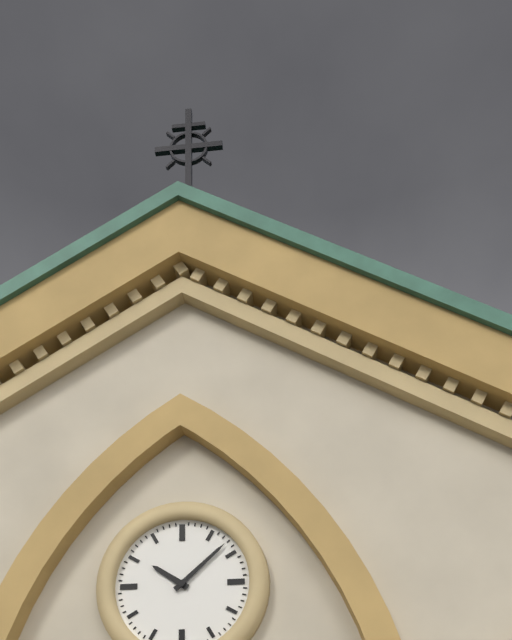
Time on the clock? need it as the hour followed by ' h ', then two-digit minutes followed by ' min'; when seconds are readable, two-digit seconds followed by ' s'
10 h 08 min
